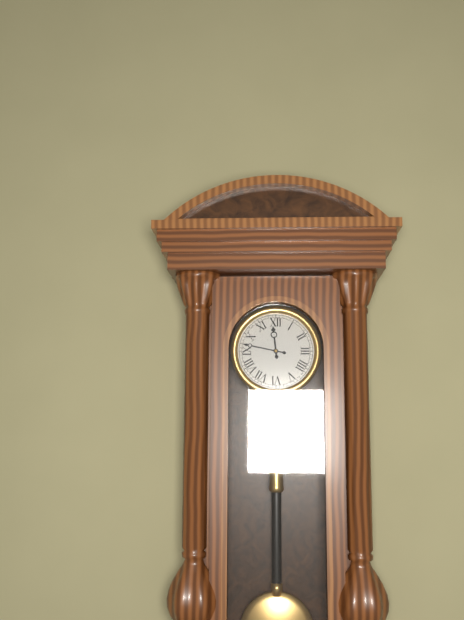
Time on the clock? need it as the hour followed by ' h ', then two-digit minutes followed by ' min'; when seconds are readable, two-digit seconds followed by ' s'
11 h 47 min
